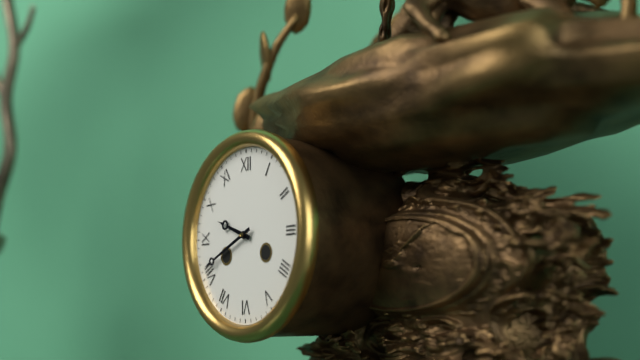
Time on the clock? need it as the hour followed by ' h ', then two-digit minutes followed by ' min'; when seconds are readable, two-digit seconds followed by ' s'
9 h 41 min
